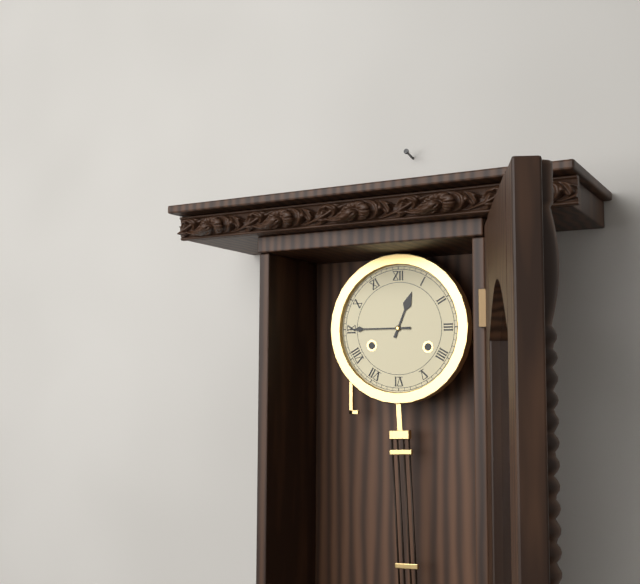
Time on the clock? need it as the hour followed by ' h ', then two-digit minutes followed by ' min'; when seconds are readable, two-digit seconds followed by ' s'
12 h 45 min
